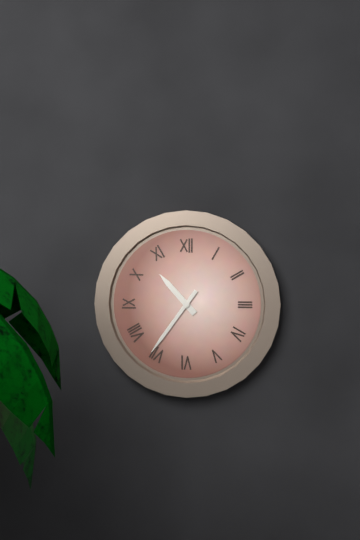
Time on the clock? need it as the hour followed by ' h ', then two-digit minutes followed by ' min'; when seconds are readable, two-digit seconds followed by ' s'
10 h 36 min
